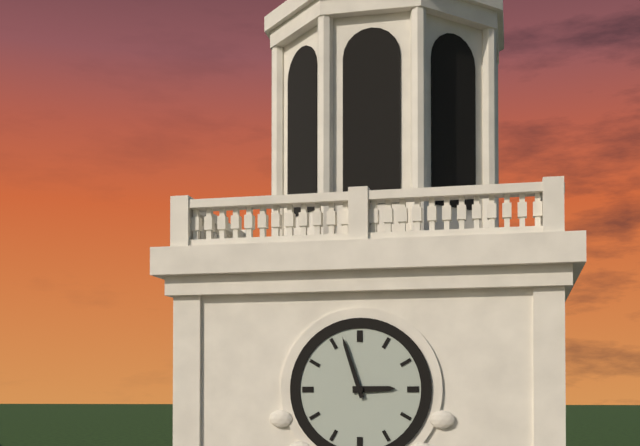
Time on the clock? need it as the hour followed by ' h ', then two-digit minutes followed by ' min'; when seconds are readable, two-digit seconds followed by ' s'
2 h 57 min
